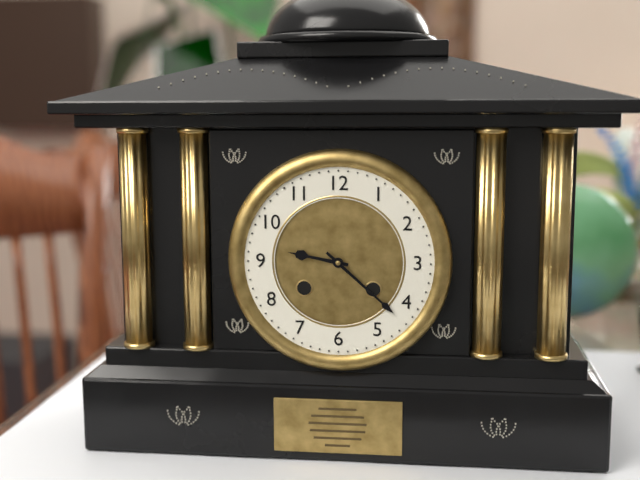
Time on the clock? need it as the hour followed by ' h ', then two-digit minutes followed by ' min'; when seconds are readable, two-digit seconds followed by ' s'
9 h 22 min
